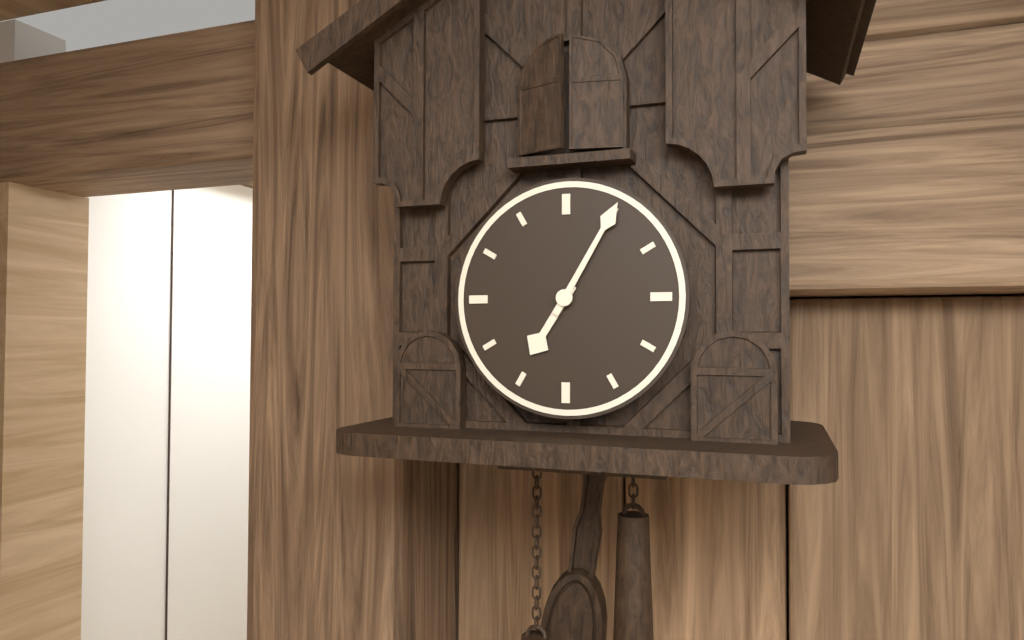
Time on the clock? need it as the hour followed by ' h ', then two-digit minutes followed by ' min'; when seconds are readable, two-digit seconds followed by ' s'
7 h 05 min
